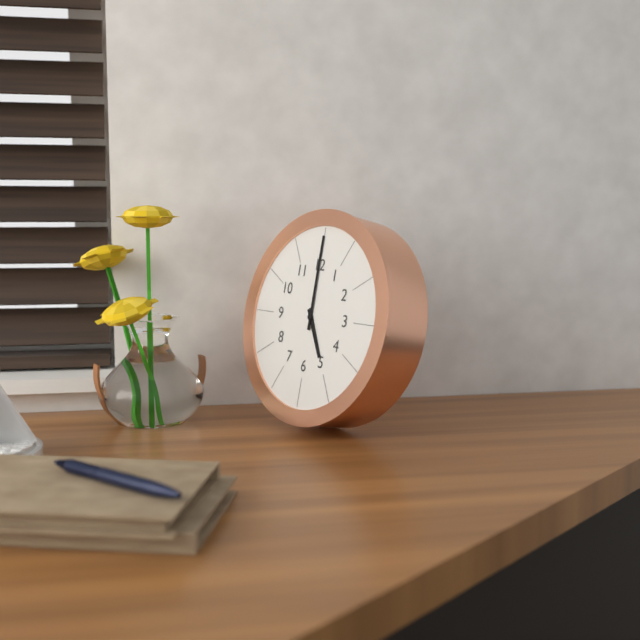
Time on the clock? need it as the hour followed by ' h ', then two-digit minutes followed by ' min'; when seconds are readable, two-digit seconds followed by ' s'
5 h 00 min
